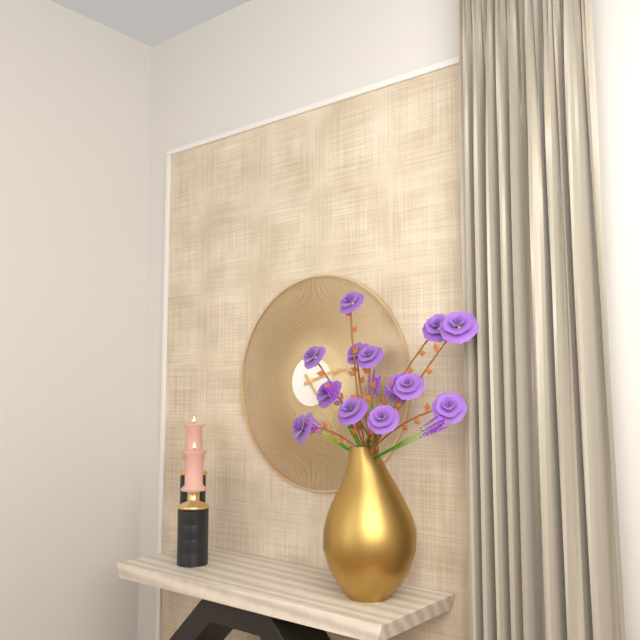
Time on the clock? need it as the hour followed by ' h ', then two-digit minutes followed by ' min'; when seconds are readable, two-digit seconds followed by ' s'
2 h 24 min
